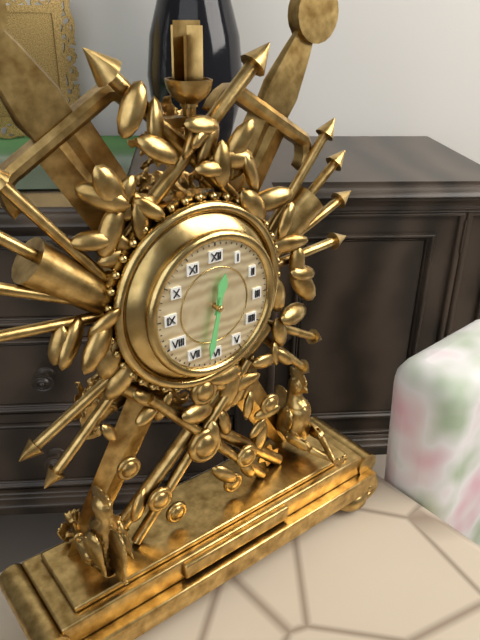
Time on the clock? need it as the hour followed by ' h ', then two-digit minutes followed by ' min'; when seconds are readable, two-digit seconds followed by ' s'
12 h 32 min
